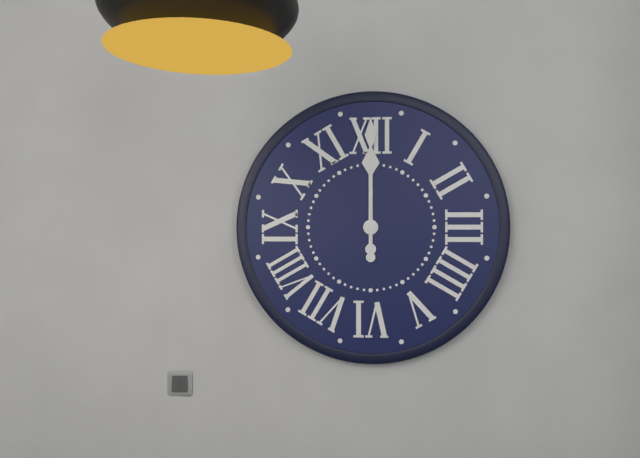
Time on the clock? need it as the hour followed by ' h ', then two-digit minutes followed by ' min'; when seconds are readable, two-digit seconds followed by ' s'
12 h 00 min
